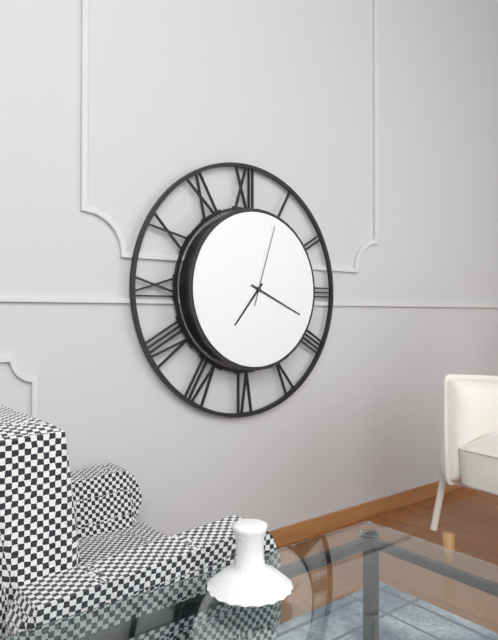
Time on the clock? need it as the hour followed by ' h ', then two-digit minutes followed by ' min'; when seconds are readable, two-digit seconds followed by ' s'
7 h 19 min 03 s
